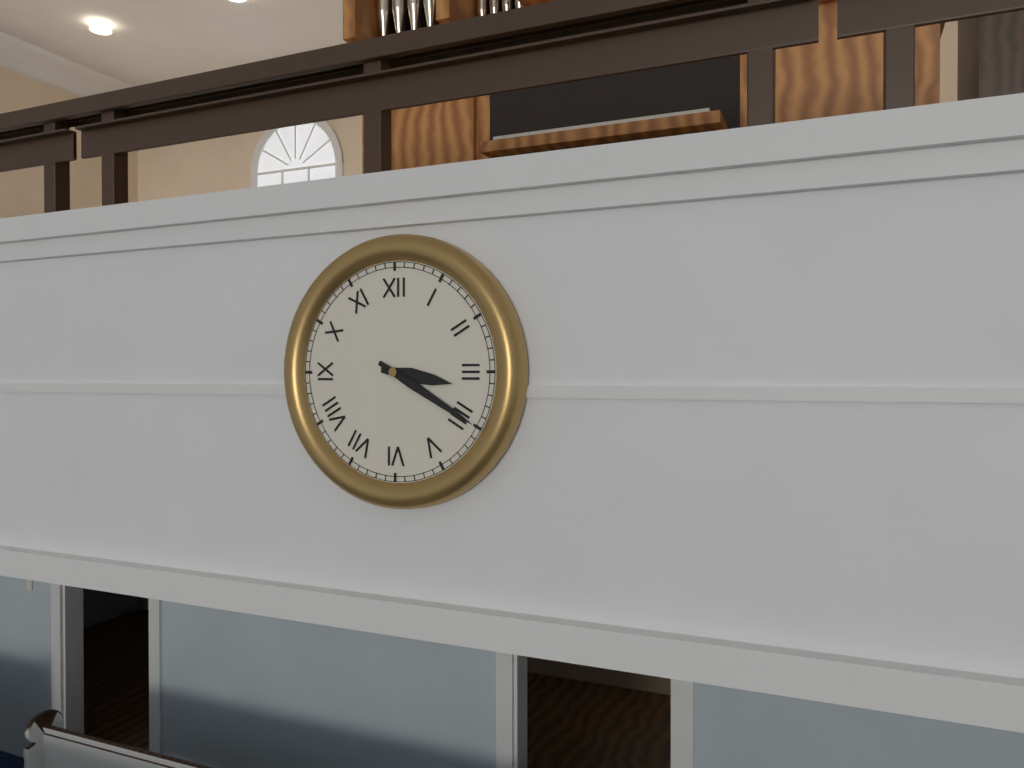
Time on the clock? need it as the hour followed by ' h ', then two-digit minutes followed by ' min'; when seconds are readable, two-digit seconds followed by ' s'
3 h 20 min
